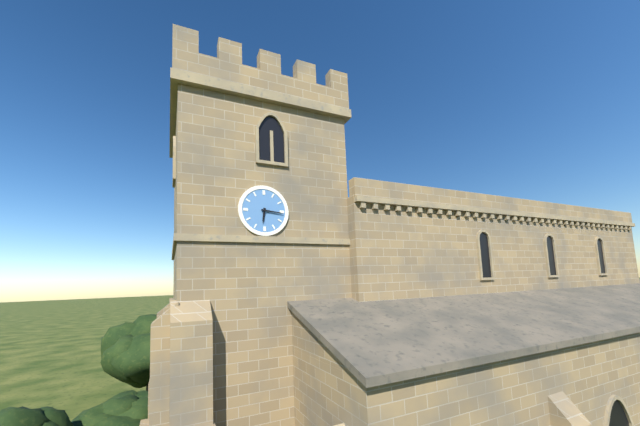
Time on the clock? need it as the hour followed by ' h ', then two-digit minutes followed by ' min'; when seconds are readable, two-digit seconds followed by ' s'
6 h 16 min
